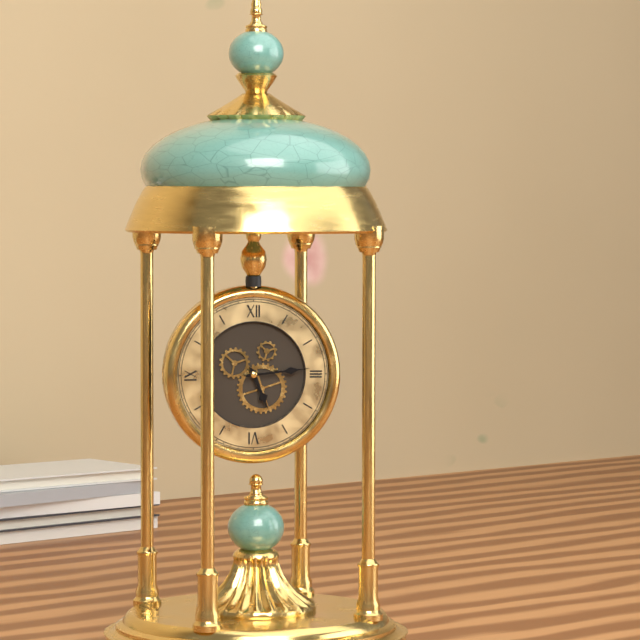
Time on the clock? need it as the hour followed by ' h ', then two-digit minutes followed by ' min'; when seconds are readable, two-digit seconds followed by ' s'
5 h 14 min
